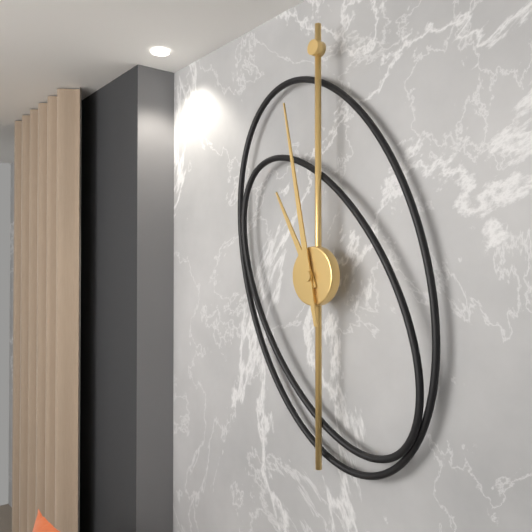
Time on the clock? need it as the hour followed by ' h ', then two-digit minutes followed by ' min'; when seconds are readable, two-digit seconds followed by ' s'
10 h 58 min
